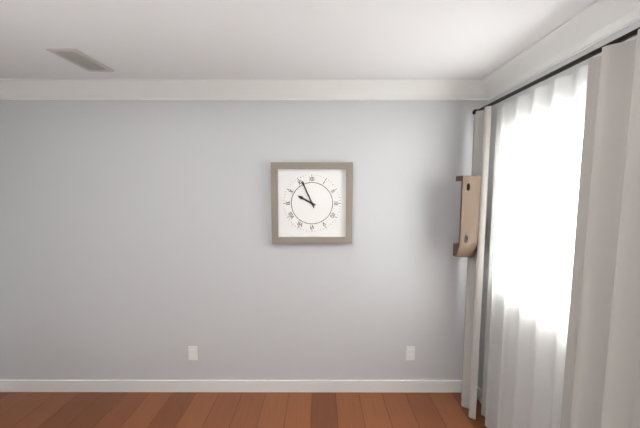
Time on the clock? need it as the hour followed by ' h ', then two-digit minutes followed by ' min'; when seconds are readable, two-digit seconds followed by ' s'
9 h 56 min
